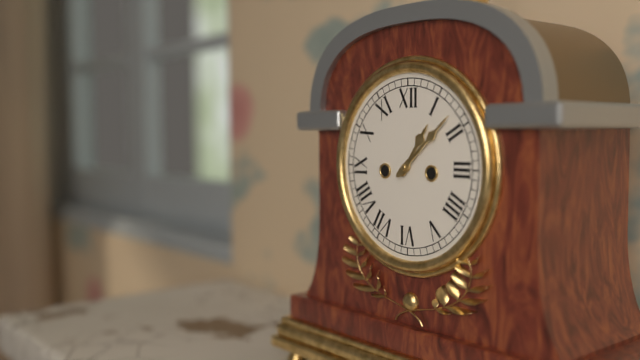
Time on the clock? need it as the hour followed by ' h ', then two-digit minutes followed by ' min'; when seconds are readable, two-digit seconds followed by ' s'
1 h 08 min
